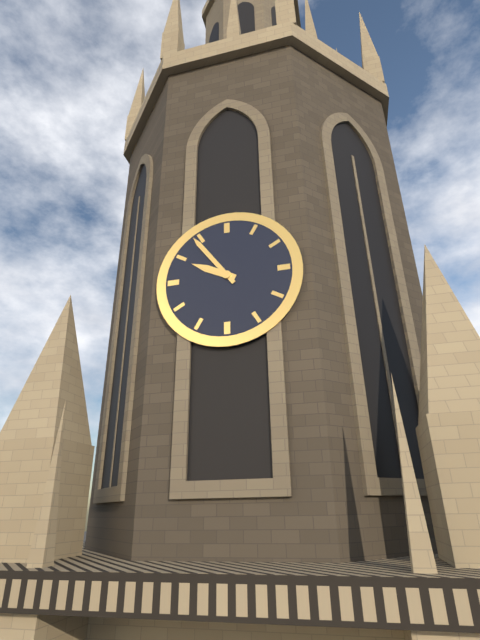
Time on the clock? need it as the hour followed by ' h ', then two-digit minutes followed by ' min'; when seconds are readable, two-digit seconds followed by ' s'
9 h 54 min
